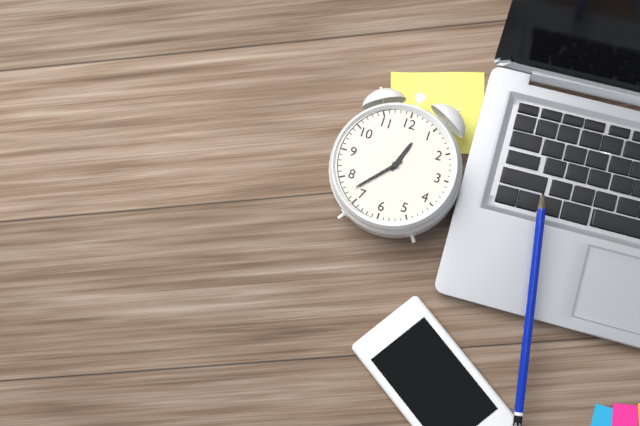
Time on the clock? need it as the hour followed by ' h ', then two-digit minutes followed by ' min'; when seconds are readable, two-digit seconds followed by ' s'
12 h 37 min
